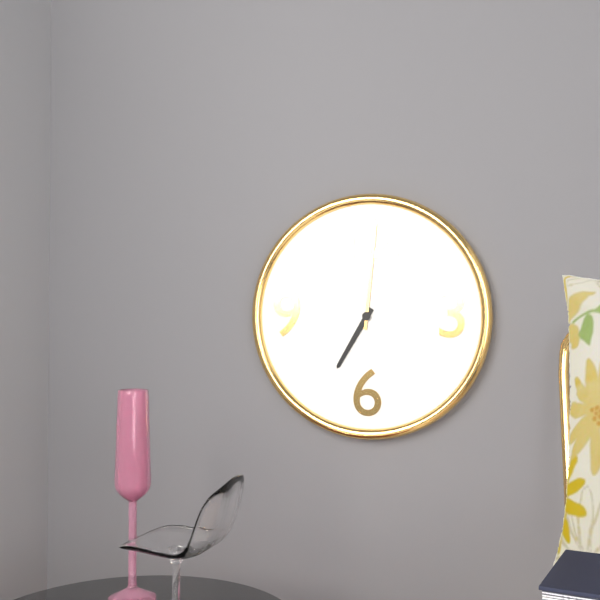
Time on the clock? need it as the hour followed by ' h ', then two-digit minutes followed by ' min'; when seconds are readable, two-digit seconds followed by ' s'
7 h 01 min
